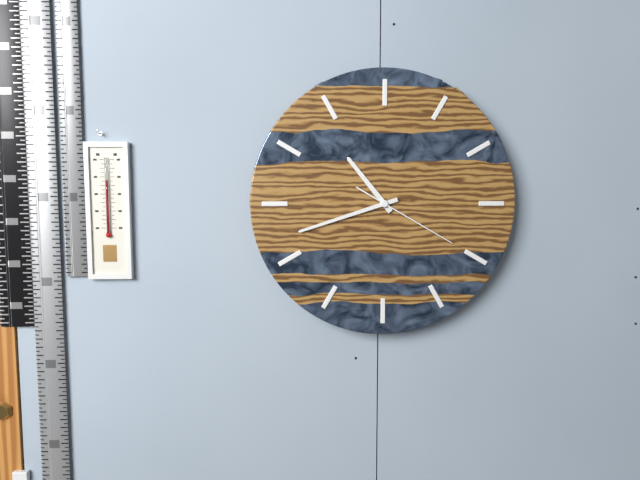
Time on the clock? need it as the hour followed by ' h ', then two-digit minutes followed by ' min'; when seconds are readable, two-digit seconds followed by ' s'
10 h 42 min 20 s
